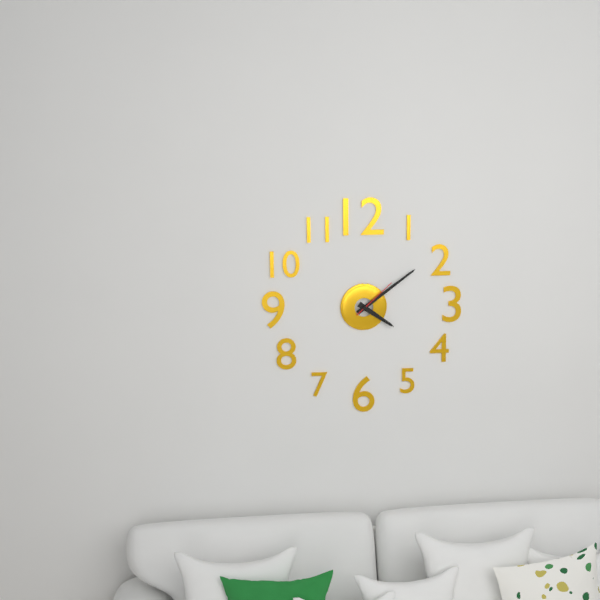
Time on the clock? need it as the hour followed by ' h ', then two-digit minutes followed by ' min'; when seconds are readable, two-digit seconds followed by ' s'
4 h 09 min
